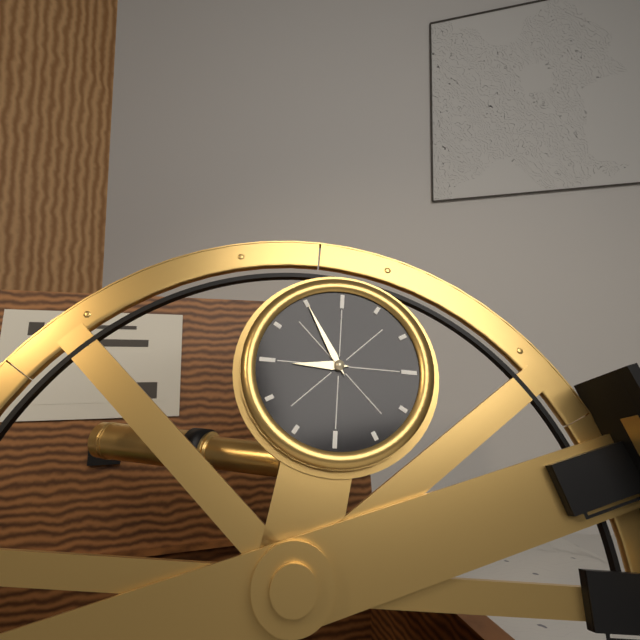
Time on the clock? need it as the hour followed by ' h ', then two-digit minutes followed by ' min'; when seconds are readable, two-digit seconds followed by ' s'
8 h 55 min
